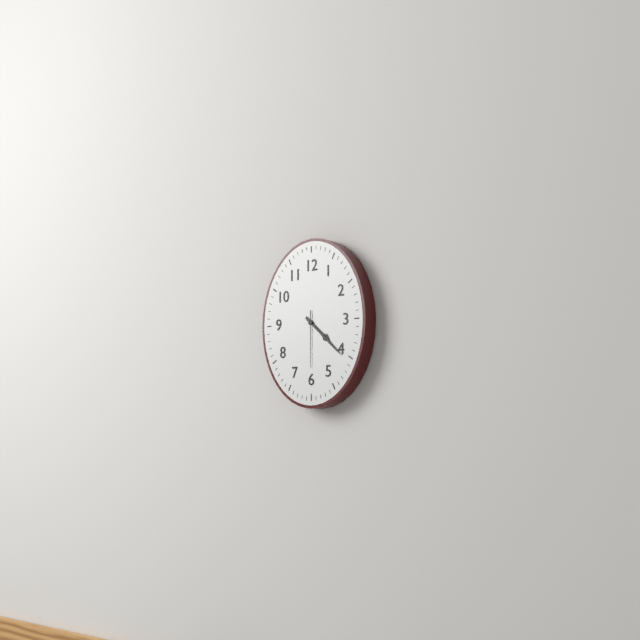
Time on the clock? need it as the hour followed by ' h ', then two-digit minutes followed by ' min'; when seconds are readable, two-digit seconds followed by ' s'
4 h 22 min 30 s
